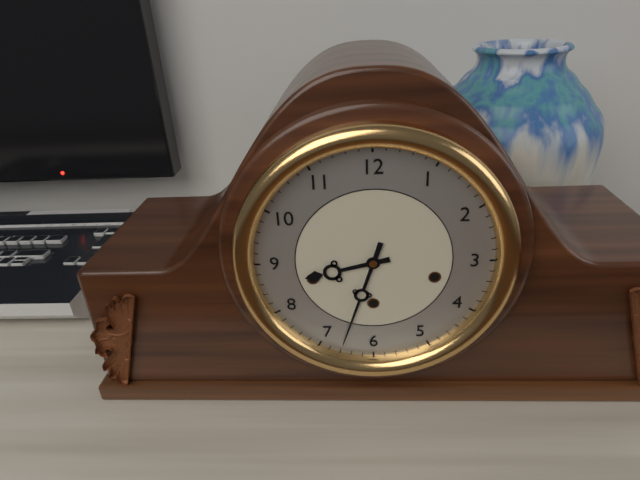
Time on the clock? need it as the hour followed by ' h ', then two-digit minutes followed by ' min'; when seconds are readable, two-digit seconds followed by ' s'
8 h 33 min
